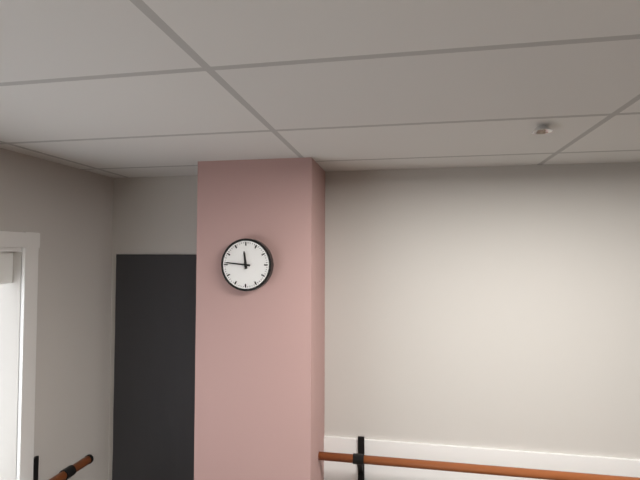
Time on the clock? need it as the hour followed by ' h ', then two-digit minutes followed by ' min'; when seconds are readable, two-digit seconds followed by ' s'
11 h 46 min
